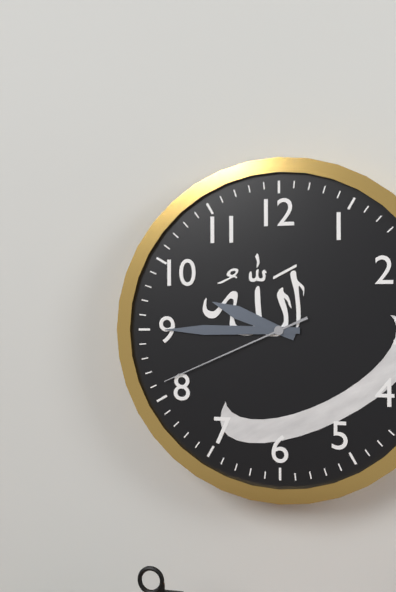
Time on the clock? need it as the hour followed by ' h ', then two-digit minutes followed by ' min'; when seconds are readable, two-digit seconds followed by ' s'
9 h 45 min 41 s
